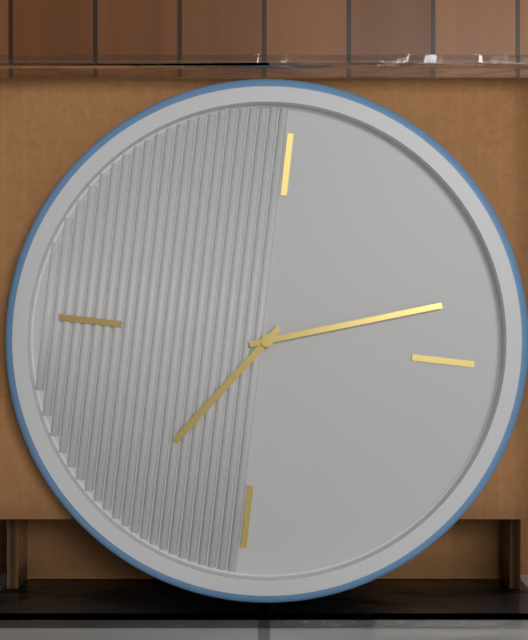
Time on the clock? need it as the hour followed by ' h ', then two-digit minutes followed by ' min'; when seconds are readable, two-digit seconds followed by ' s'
7 h 12 min
